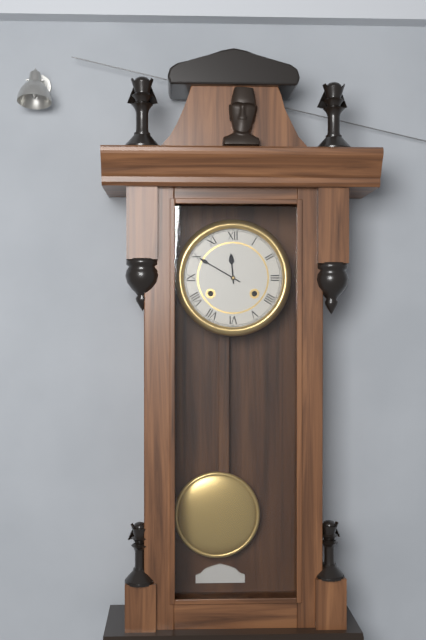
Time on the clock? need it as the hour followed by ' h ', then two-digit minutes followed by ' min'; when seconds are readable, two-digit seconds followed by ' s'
11 h 50 min
